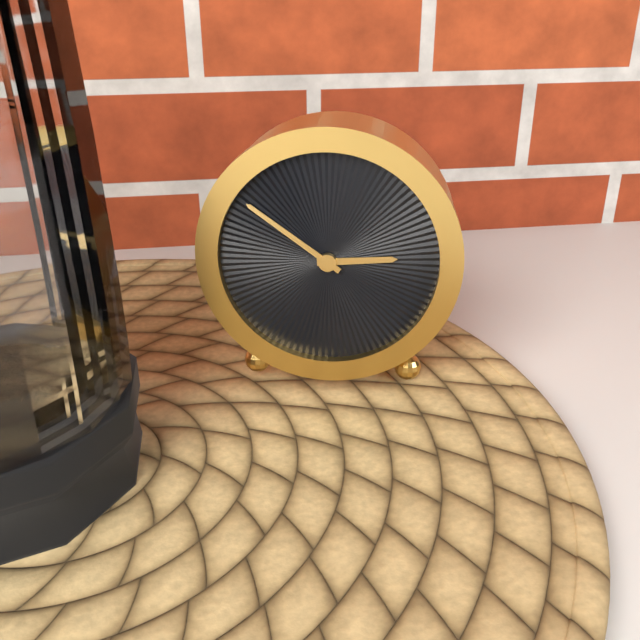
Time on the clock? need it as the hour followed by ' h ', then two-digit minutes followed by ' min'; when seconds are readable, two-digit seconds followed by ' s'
2 h 51 min
